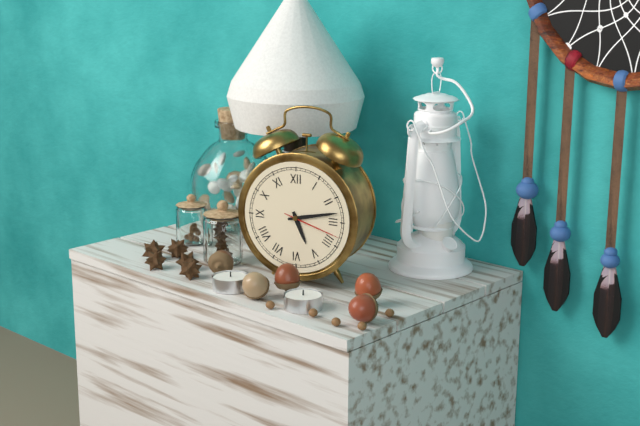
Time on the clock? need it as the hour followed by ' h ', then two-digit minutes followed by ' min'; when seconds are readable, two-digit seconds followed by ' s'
5 h 13 min 18 s
